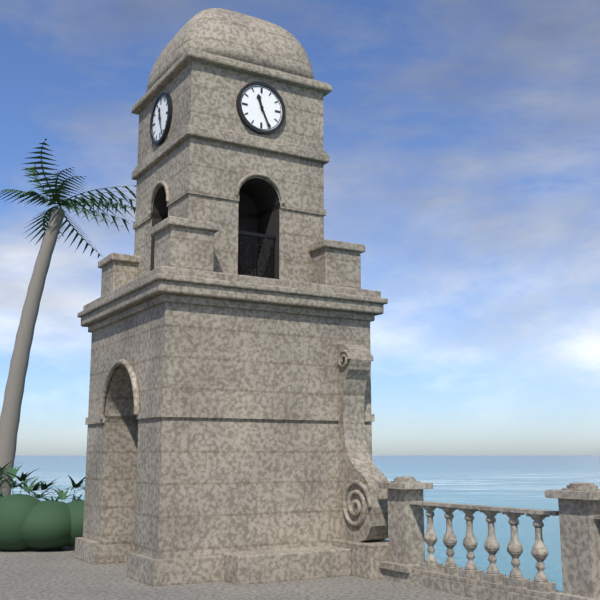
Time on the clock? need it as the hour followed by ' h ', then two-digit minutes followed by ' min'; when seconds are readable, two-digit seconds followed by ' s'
11 h 26 min
